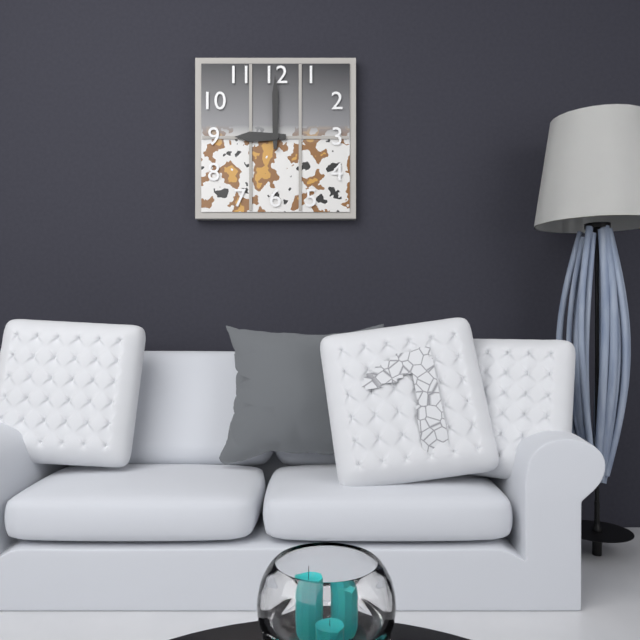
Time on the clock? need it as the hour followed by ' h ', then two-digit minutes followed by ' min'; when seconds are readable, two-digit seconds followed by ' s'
9 h 00 min
